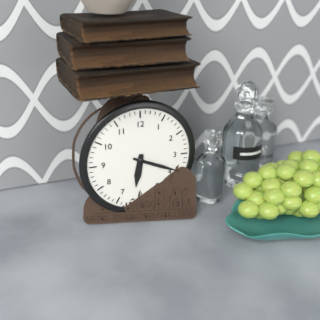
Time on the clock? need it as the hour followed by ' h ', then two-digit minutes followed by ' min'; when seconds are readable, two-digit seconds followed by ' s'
6 h 19 min
